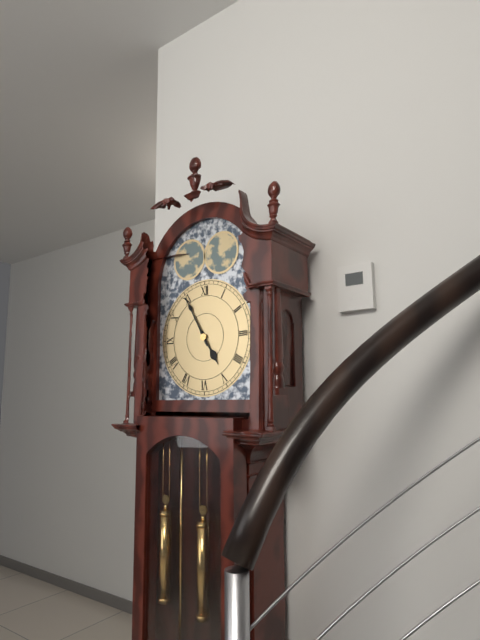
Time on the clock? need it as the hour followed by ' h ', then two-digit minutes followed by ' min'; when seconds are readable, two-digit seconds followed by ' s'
4 h 55 min
